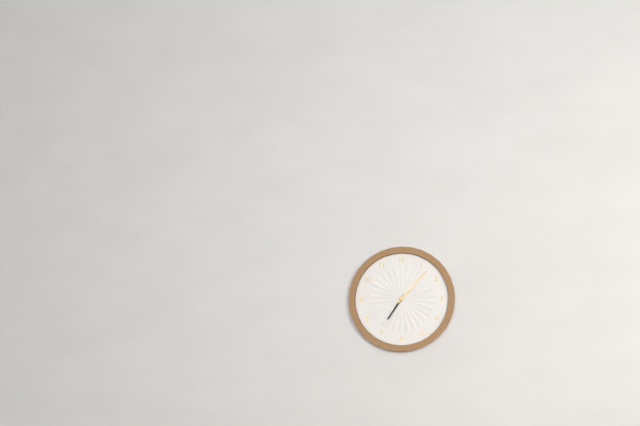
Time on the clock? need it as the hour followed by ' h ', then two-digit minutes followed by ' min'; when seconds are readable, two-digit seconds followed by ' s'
7 h 07 min
